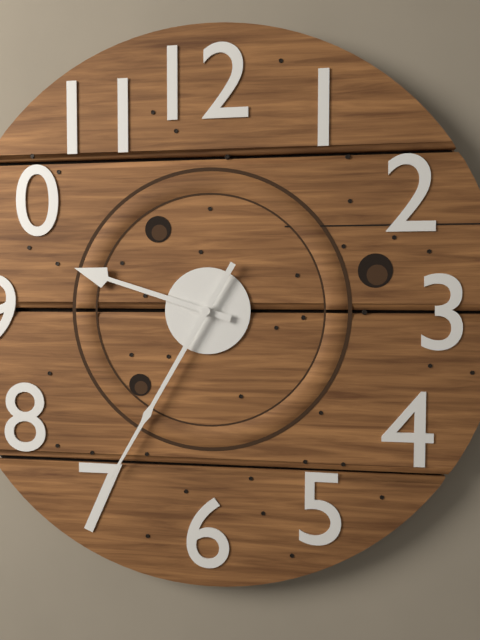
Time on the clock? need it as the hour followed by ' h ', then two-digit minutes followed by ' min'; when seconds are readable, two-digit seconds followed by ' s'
9 h 35 min
